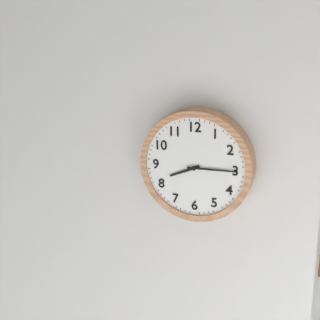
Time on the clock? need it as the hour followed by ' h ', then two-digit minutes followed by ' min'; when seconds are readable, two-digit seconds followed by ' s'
8 h 15 min
